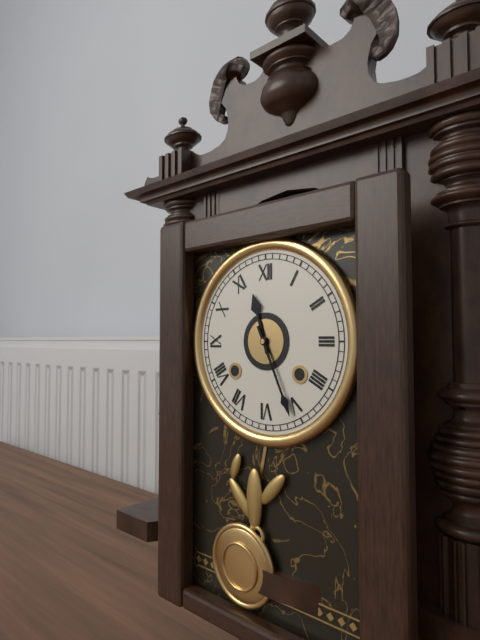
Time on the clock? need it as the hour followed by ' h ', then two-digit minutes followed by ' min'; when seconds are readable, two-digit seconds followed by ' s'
11 h 26 min
